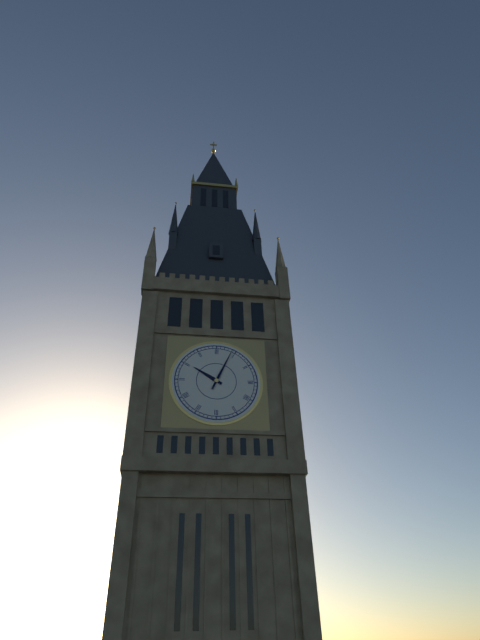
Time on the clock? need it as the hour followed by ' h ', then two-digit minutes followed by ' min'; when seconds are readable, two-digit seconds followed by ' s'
10 h 04 min
